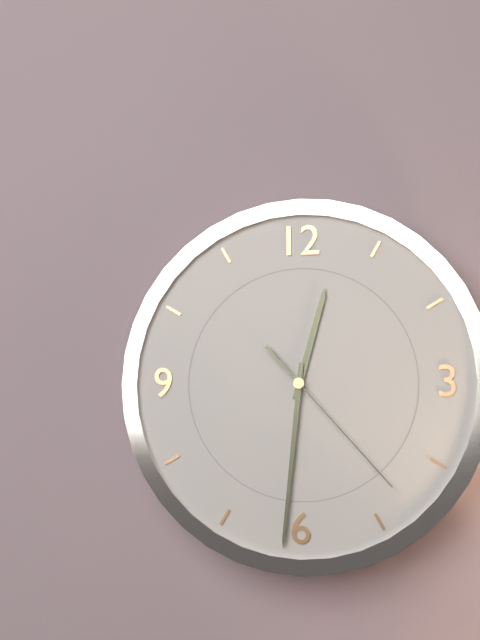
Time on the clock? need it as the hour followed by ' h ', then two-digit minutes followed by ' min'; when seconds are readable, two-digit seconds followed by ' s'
12 h 31 min 23 s
